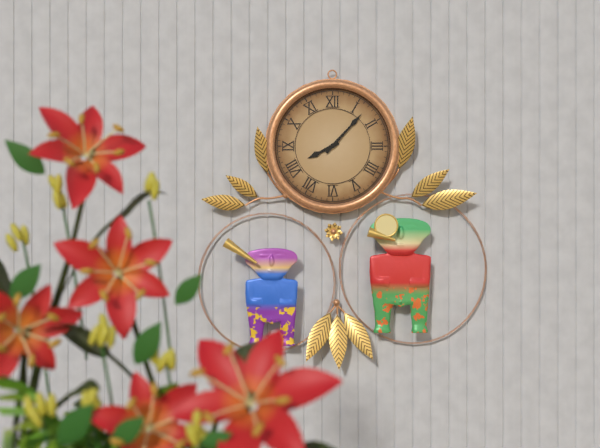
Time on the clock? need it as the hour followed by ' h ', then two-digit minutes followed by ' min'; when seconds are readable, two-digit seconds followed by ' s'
8 h 07 min
